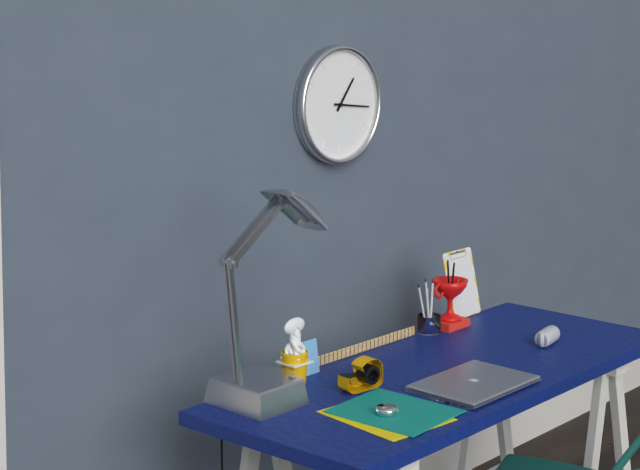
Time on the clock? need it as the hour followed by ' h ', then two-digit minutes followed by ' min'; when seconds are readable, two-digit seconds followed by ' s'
1 h 16 min
